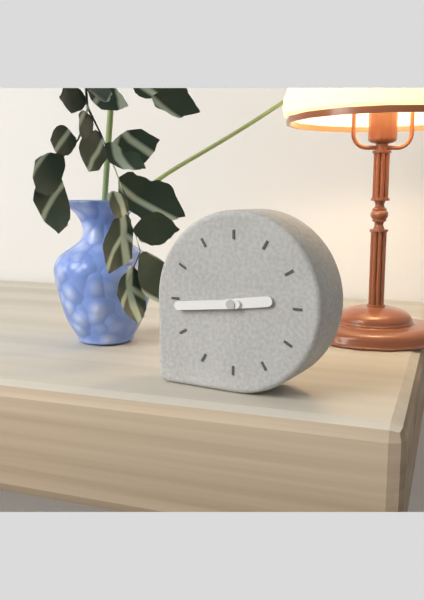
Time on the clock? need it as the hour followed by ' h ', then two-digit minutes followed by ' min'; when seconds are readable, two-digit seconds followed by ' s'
2 h 44 min
